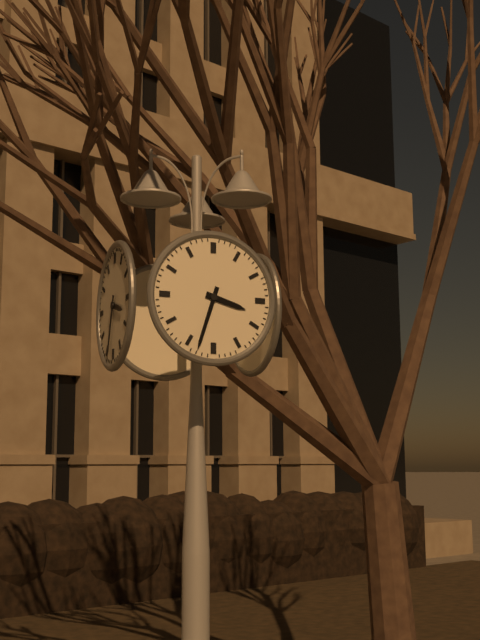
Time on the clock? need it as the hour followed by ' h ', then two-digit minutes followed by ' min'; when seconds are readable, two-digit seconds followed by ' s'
3 h 33 min
